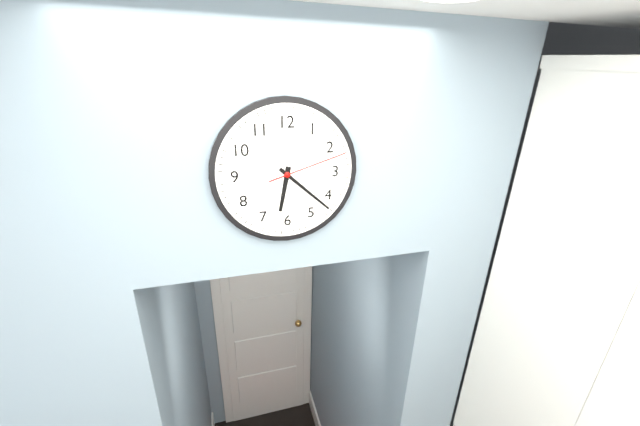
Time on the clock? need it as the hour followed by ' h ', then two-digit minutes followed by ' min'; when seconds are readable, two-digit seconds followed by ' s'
6 h 22 min 12 s
